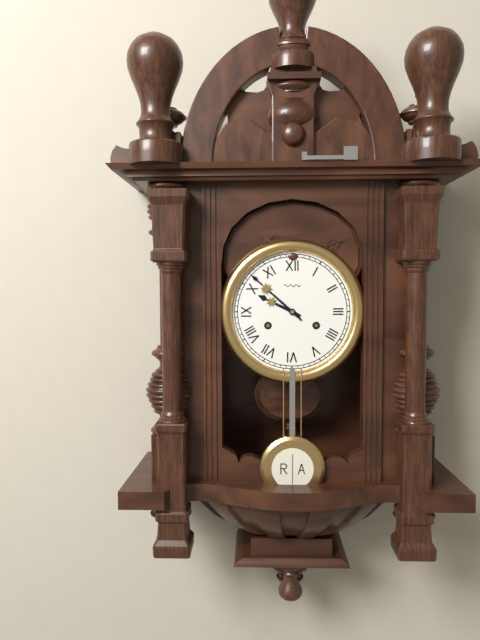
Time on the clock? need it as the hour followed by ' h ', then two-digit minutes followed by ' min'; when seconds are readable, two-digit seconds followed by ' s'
9 h 52 min
